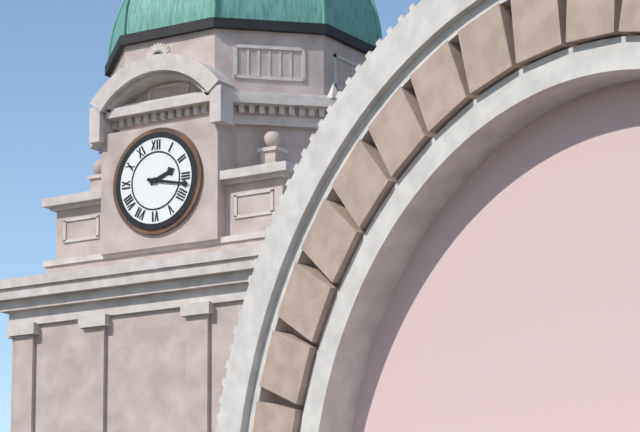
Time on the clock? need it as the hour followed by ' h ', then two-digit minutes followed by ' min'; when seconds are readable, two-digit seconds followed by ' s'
2 h 17 min
